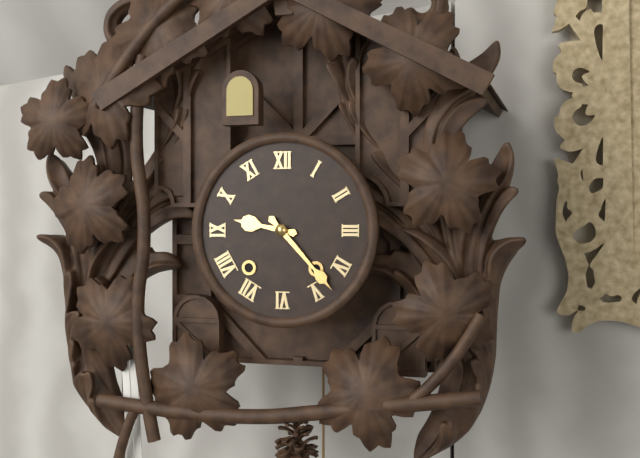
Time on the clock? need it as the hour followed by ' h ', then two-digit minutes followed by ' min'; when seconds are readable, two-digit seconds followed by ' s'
9 h 23 min
